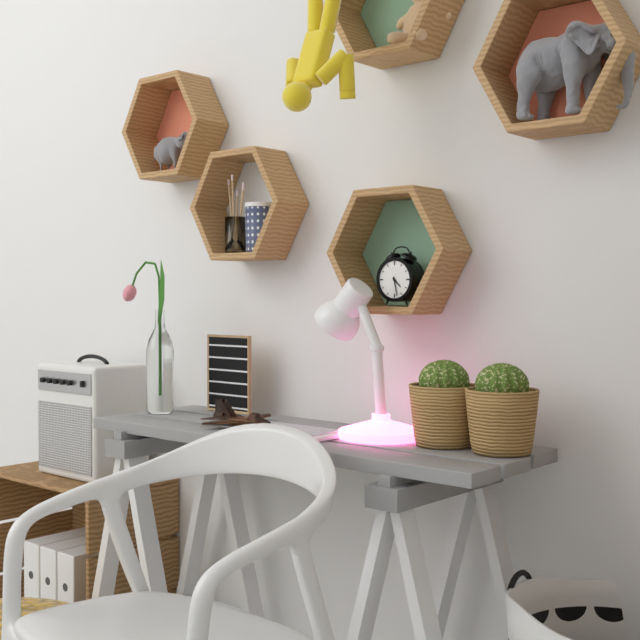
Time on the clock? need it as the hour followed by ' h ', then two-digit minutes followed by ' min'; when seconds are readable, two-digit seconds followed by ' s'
4 h 28 min
